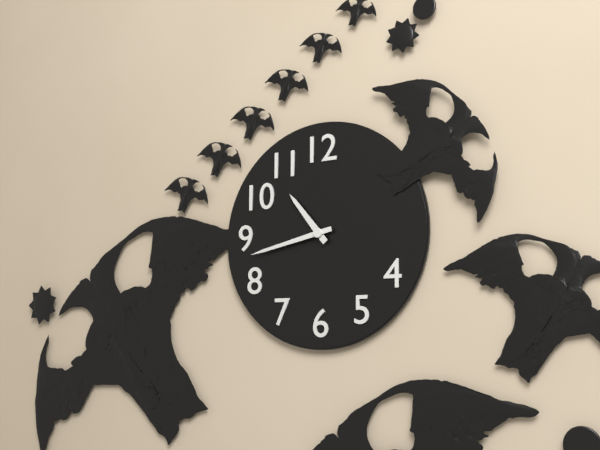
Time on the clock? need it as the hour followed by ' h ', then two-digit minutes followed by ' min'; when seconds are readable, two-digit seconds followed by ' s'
10 h 43 min
